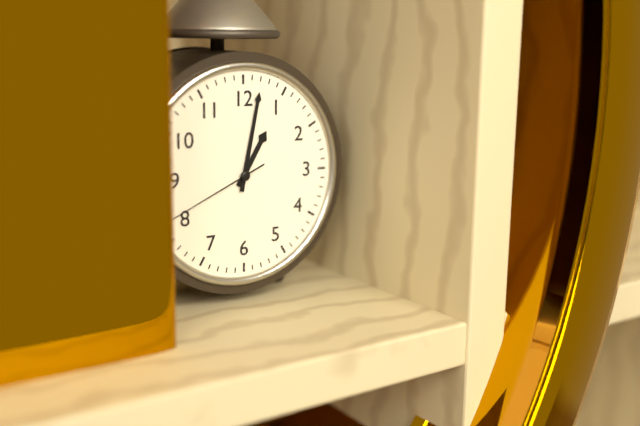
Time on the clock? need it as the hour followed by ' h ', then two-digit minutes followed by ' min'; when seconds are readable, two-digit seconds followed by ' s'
1 h 02 min 41 s
